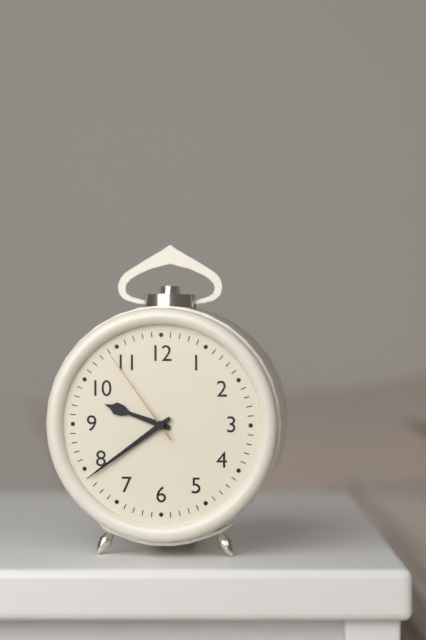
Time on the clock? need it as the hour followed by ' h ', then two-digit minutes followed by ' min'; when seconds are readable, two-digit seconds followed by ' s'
9 h 39 min 54 s
